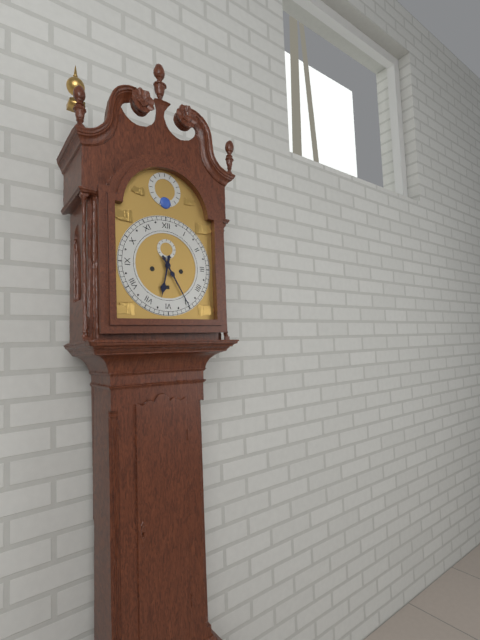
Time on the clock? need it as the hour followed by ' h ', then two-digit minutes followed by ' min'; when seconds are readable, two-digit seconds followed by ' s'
6 h 25 min
